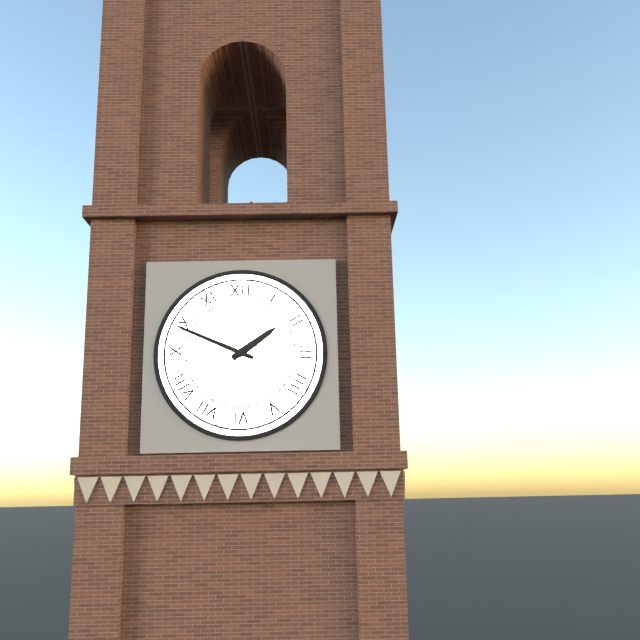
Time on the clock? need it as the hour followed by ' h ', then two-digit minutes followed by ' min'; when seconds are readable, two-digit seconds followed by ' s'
1 h 49 min
